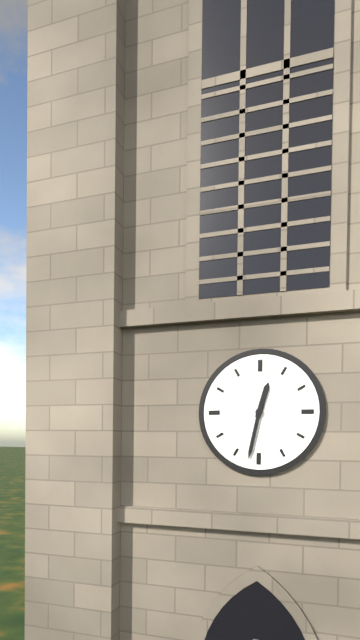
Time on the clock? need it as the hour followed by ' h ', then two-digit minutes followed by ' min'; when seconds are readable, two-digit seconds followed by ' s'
12 h 32 min
